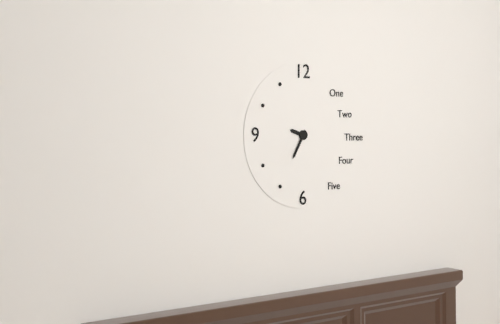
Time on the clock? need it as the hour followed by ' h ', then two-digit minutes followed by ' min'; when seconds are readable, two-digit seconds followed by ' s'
9 h 35 min
